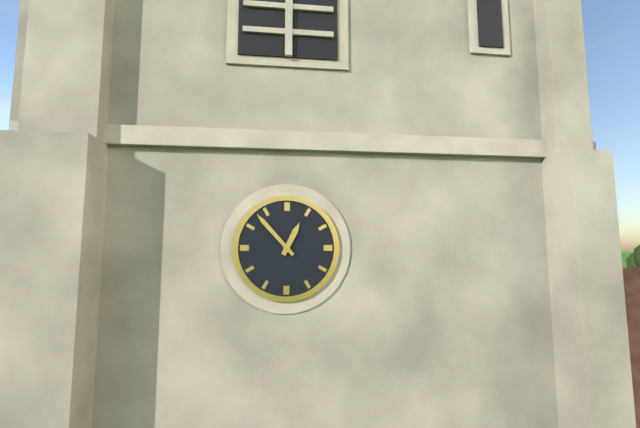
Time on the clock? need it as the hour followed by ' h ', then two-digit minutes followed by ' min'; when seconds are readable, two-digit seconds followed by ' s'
12 h 53 min
